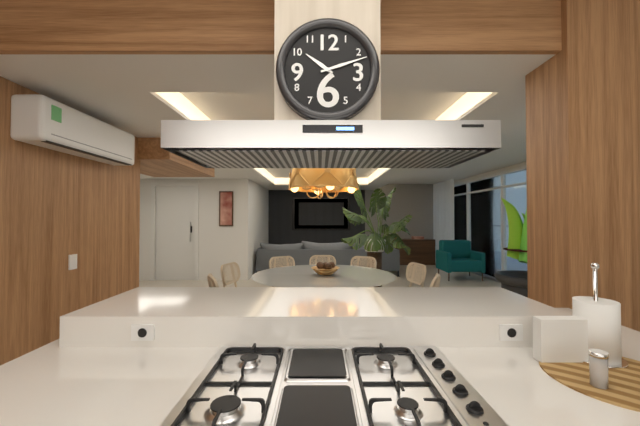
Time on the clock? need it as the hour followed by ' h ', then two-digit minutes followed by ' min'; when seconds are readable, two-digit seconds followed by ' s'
10 h 12 min
